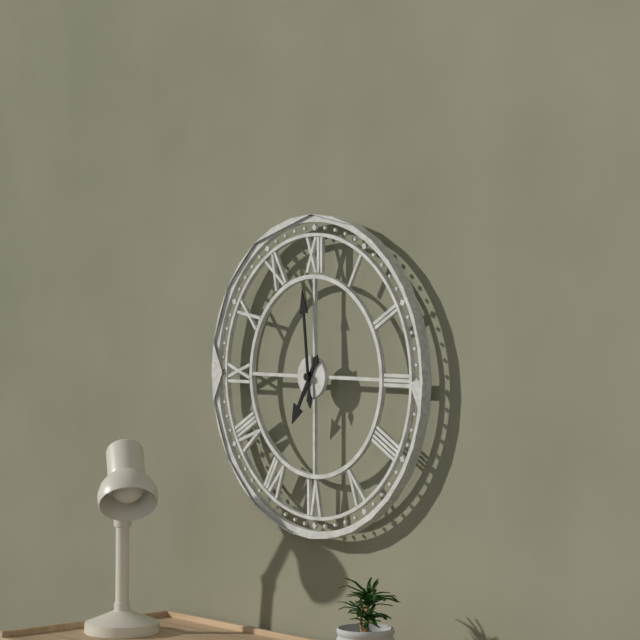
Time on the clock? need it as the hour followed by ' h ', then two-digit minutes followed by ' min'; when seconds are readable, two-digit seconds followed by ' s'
6 h 59 min
